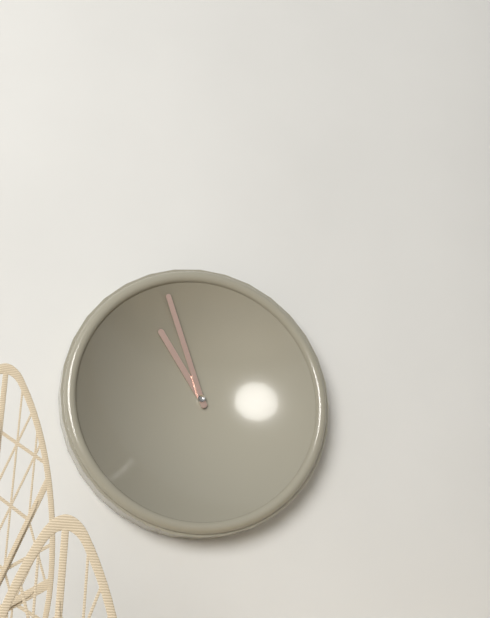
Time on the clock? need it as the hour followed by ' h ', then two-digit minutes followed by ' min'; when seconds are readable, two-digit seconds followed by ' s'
10 h 57 min
